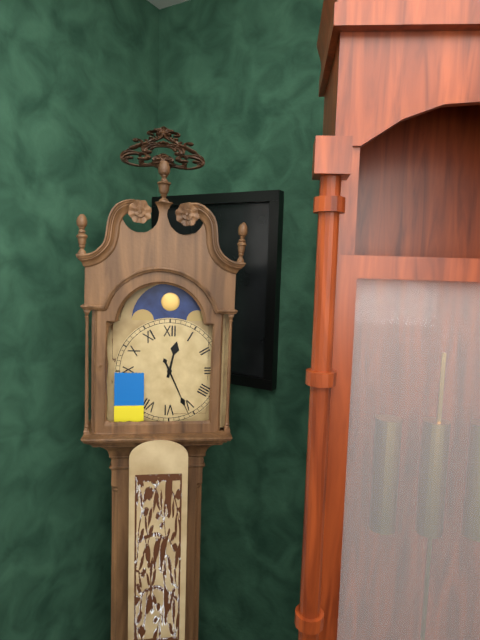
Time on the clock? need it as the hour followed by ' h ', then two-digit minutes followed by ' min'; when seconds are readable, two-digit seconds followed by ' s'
12 h 26 min
